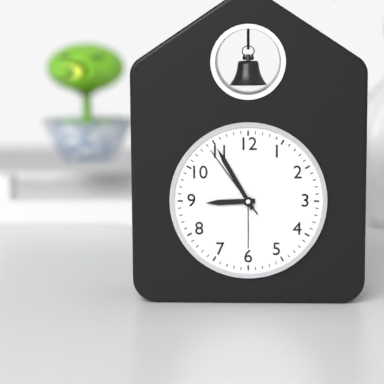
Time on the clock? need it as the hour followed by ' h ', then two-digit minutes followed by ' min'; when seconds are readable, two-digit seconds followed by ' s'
8 h 55 min 54 s
